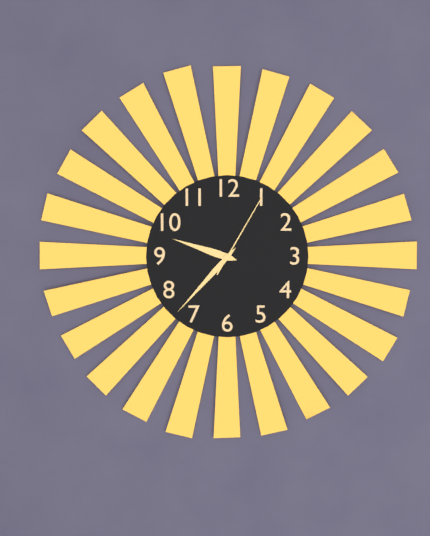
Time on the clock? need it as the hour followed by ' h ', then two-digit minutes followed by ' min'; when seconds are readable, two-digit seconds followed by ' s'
9 h 37 min 05 s
